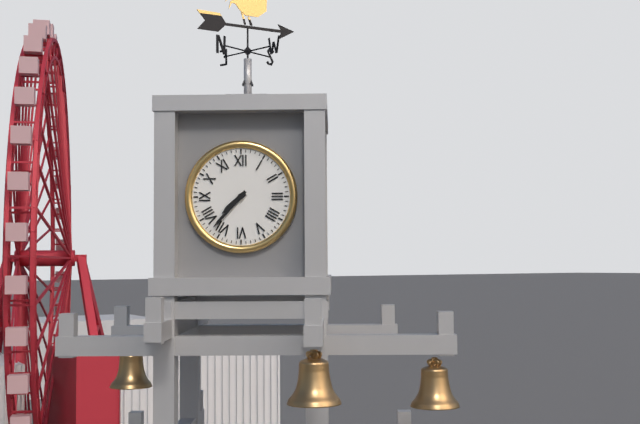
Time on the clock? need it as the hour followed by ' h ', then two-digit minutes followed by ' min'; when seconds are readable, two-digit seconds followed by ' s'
7 h 37 min
